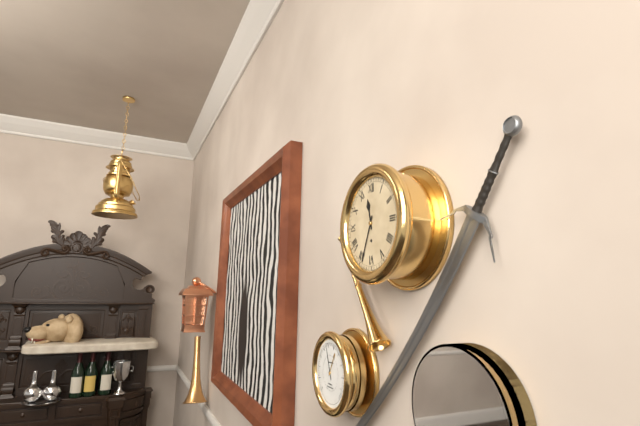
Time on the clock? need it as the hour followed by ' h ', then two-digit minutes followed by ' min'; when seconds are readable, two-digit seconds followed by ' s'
11 h 34 min
